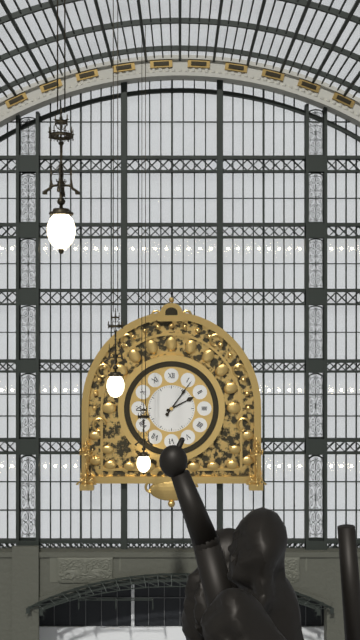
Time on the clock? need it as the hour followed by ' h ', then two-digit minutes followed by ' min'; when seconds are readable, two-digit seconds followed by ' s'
2 h 06 min
